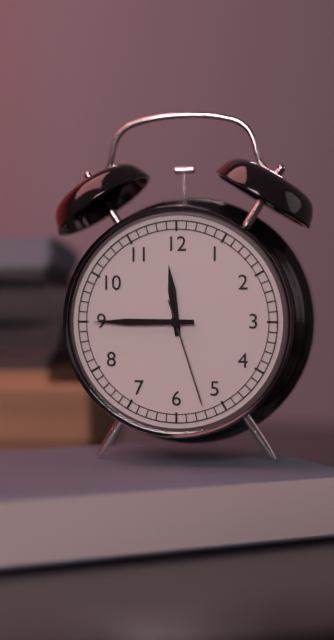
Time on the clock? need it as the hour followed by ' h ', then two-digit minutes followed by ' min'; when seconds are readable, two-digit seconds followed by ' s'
11 h 45 min 27 s
